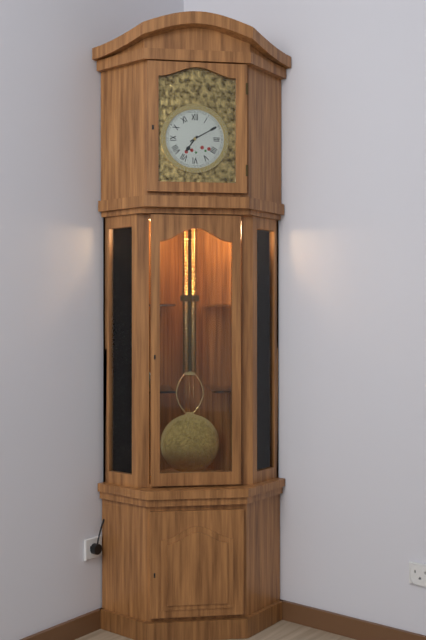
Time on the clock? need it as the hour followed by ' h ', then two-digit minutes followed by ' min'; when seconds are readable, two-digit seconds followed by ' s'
7 h 10 min
